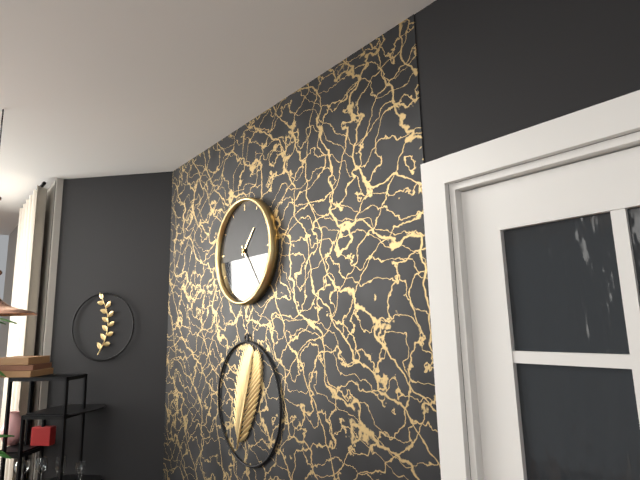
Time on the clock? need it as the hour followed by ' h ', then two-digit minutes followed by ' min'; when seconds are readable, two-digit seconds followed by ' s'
1 h 24 min
